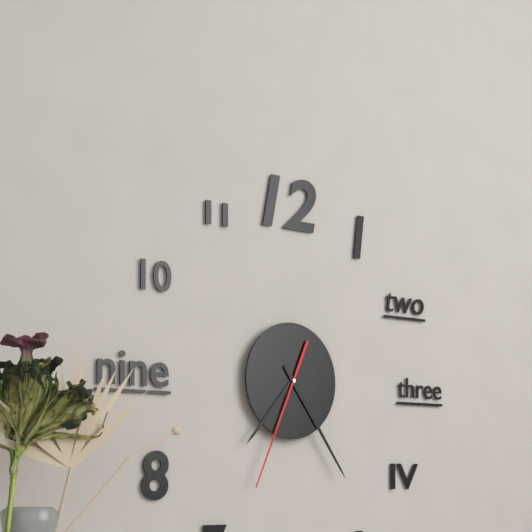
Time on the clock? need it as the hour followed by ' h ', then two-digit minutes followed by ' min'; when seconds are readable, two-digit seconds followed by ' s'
7 h 24 min 34 s
